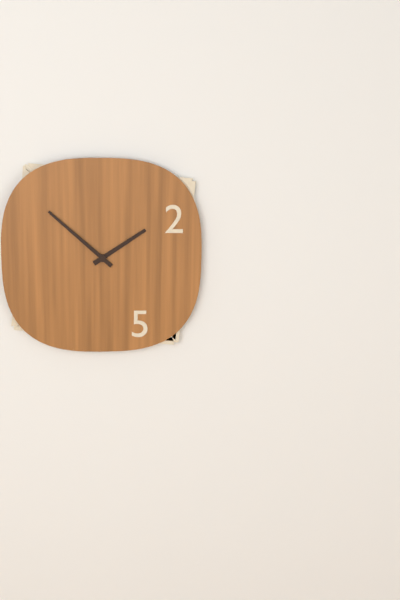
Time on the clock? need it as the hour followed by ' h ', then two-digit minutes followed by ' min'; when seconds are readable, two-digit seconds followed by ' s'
1 h 52 min
